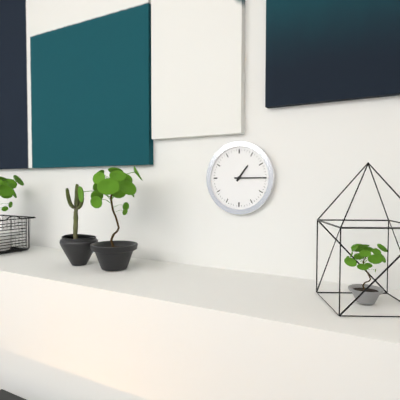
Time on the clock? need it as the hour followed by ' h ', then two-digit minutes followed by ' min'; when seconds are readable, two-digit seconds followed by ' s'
1 h 15 min
